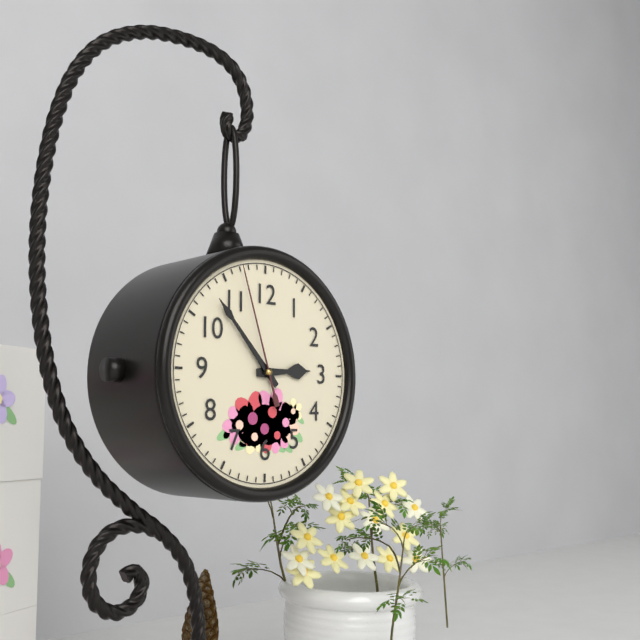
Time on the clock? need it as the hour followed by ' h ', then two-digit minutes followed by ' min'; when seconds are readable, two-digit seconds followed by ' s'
2 h 53 min 57 s
